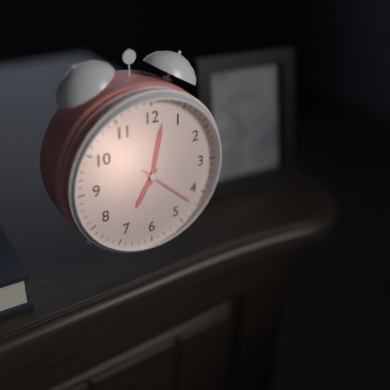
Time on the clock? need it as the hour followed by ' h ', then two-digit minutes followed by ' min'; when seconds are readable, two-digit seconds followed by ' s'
7 h 02 min 22 s
